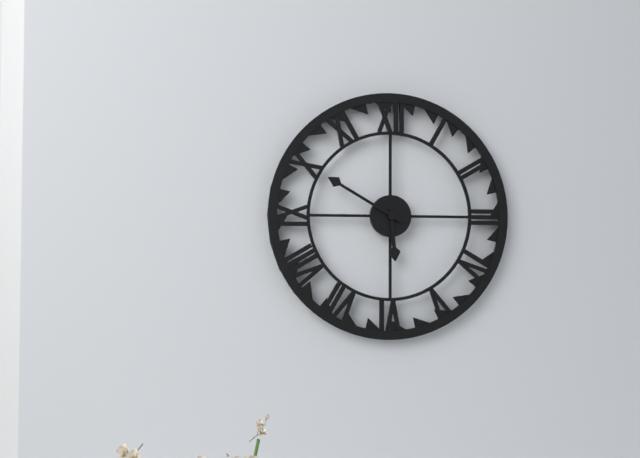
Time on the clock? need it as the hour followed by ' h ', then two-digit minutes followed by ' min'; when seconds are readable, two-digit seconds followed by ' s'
5 h 50 min
